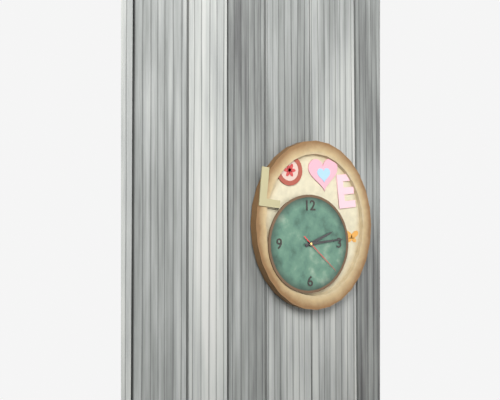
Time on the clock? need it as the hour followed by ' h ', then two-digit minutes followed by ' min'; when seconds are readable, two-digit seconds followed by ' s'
2 h 14 min
